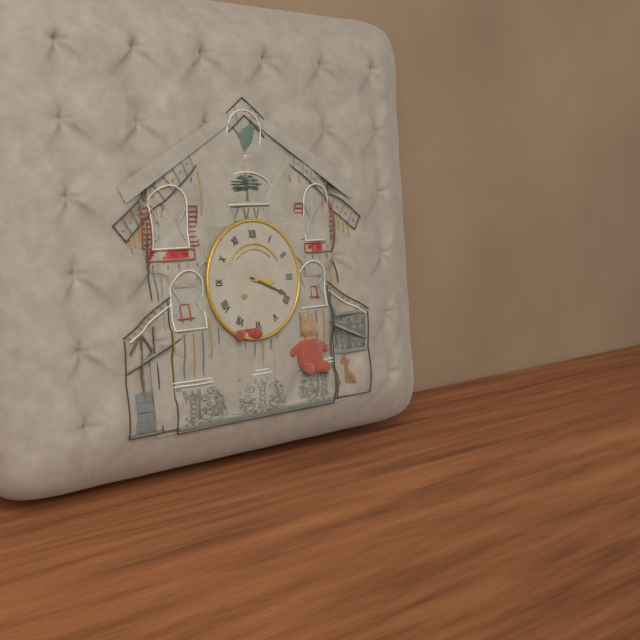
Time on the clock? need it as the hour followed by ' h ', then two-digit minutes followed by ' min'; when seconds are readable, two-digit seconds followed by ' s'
3 h 19 min
